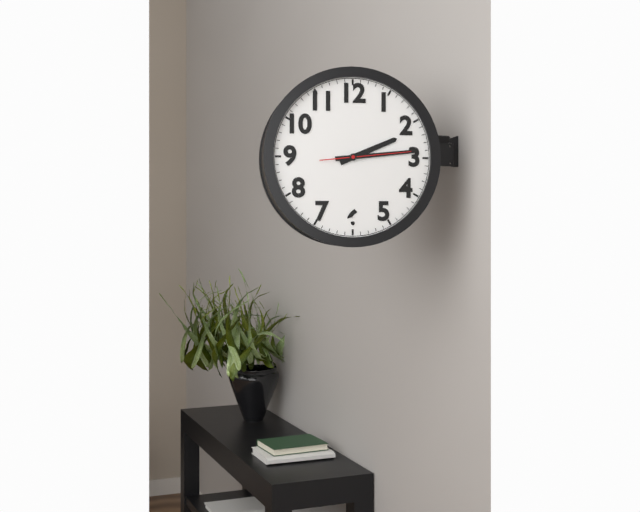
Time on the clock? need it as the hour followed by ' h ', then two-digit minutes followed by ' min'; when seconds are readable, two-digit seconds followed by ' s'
2 h 14 min 14 s
